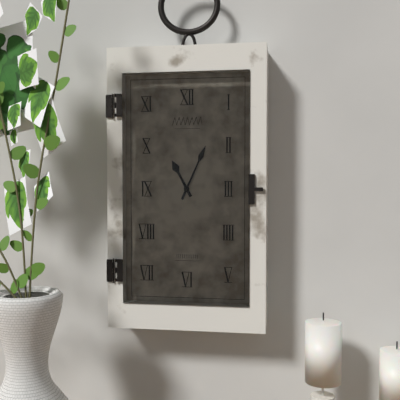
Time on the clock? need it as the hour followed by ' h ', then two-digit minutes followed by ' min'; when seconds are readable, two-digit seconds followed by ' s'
11 h 04 min
